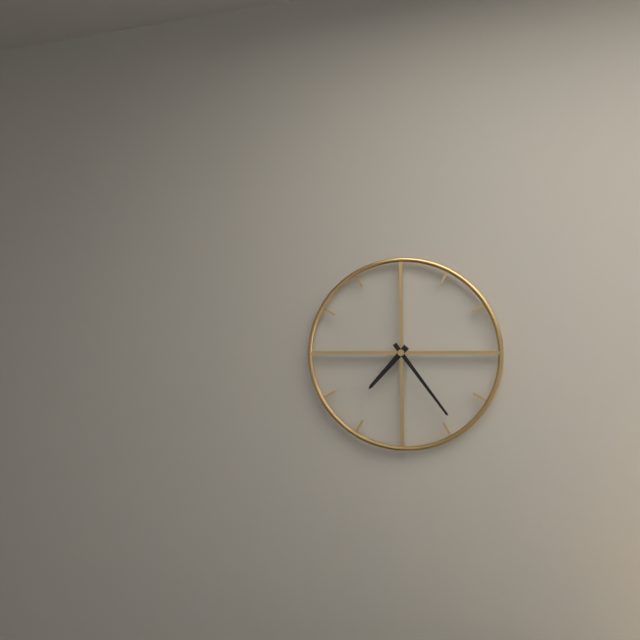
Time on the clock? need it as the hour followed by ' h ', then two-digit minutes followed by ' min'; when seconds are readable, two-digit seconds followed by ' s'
7 h 24 min
